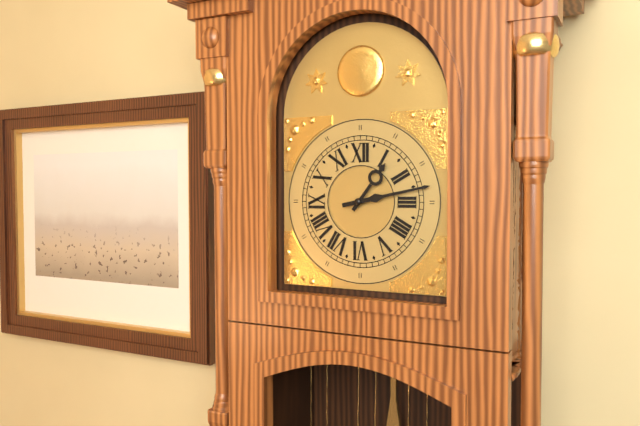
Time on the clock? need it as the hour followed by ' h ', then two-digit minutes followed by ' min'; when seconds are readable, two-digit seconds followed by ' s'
1 h 13 min
